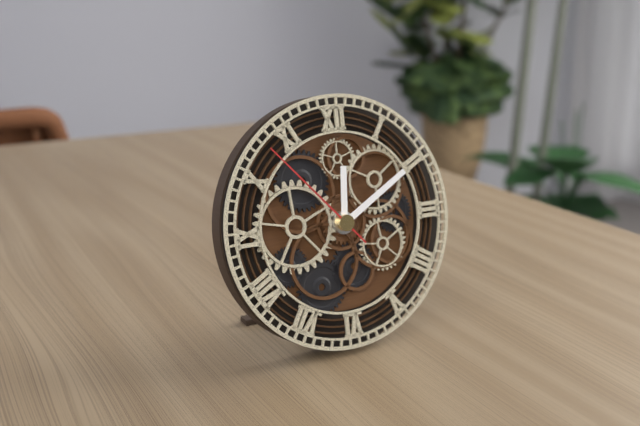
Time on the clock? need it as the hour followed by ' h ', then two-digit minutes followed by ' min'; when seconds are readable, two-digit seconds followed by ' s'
12 h 10 min 53 s
